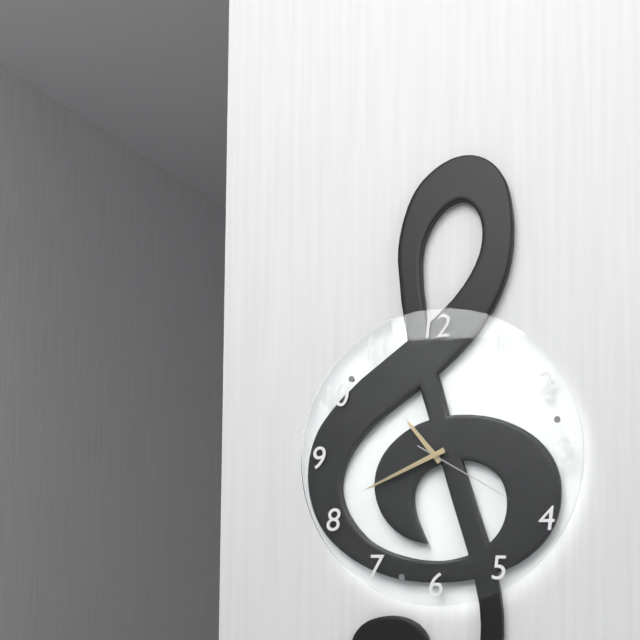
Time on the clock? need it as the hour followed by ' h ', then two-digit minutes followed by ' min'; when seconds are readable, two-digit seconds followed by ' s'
10 h 41 min 20 s
